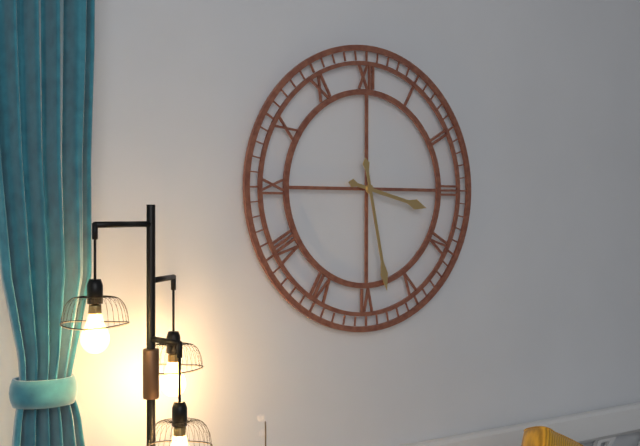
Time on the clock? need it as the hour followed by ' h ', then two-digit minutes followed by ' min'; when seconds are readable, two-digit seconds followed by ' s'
3 h 28 min
